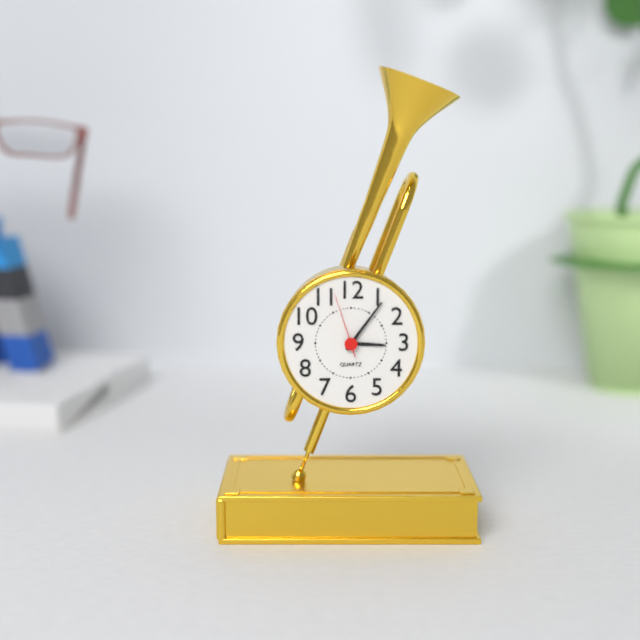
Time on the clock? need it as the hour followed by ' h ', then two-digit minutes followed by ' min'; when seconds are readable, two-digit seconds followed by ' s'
3 h 06 min 57 s
